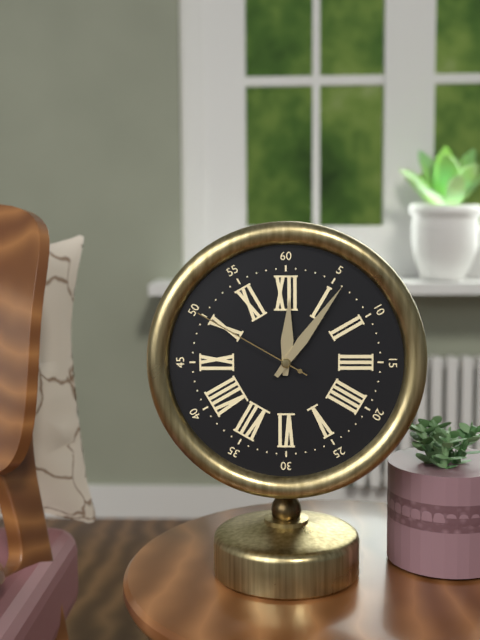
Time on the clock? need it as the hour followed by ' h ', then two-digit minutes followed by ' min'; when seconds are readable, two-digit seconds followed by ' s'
12 h 06 min 50 s
